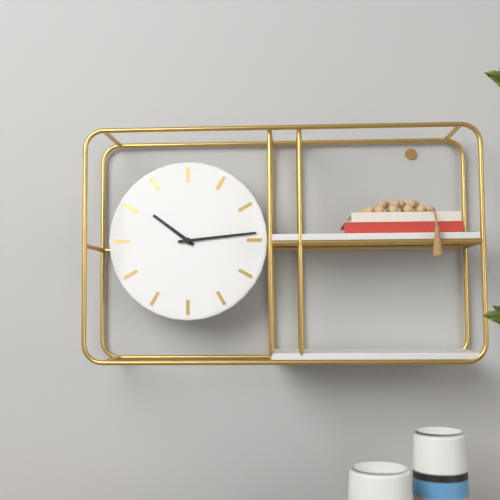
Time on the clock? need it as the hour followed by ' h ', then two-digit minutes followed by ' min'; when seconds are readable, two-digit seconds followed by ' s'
10 h 14 min
